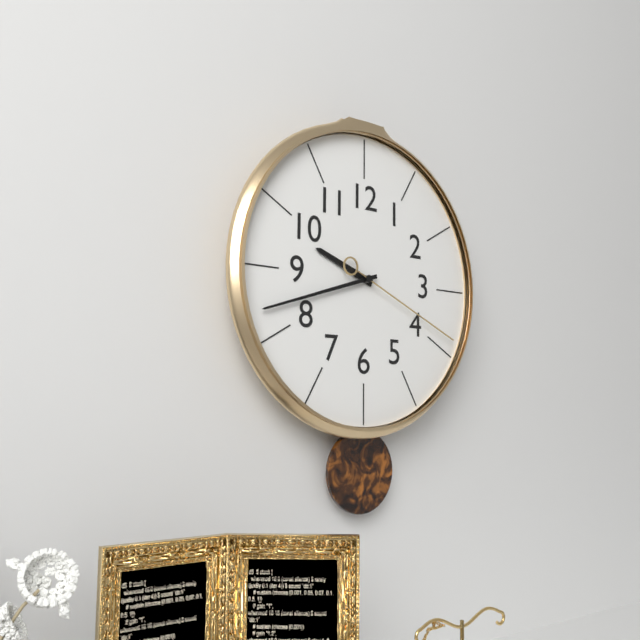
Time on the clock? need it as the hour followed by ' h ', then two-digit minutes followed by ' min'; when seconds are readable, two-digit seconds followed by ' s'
9 h 42 min 19 s
